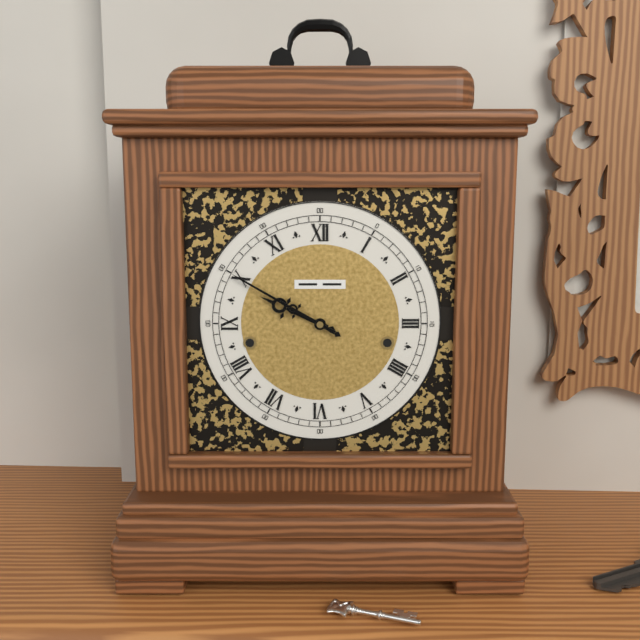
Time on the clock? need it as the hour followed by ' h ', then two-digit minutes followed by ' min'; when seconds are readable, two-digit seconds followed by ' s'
9 h 50 min
